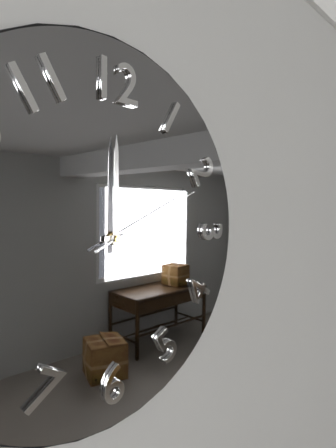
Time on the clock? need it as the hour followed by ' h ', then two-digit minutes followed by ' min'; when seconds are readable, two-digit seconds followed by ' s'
3 h 00 min 11 s
